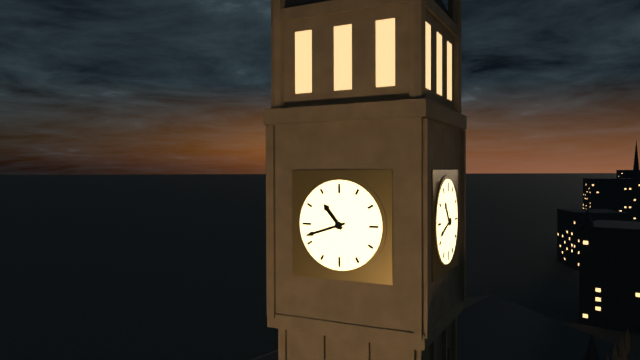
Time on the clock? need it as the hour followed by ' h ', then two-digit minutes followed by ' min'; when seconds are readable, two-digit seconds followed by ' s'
10 h 42 min
